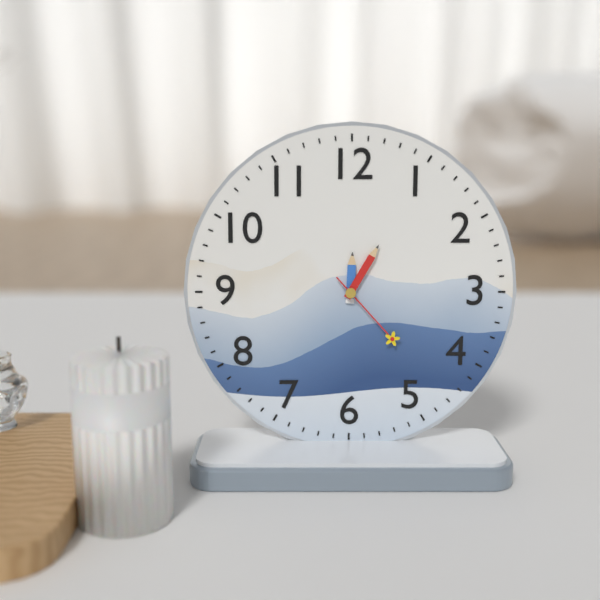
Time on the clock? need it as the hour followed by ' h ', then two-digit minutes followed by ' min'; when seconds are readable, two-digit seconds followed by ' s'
12 h 05 min 23 s
